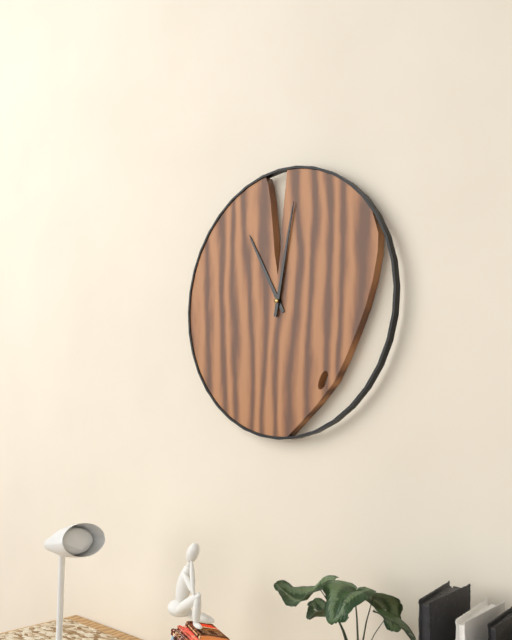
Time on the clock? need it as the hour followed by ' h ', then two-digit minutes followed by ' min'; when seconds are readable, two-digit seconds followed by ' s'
11 h 02 min
